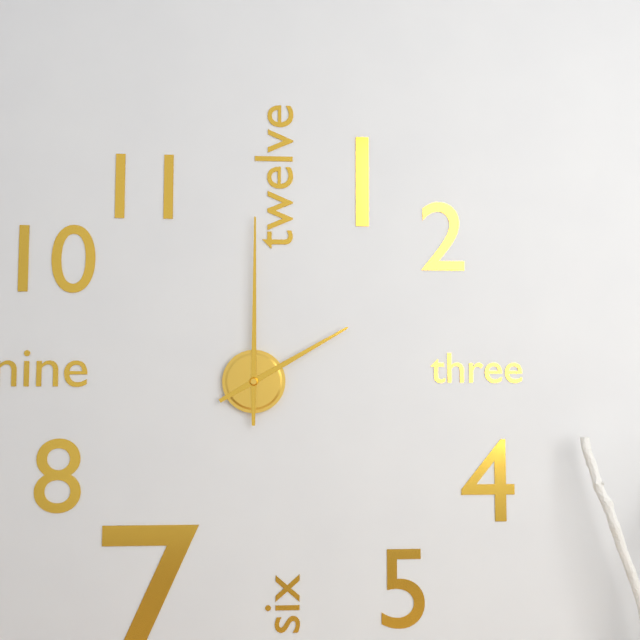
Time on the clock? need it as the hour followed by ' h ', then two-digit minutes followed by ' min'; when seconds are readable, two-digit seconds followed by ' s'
2 h 00 min
